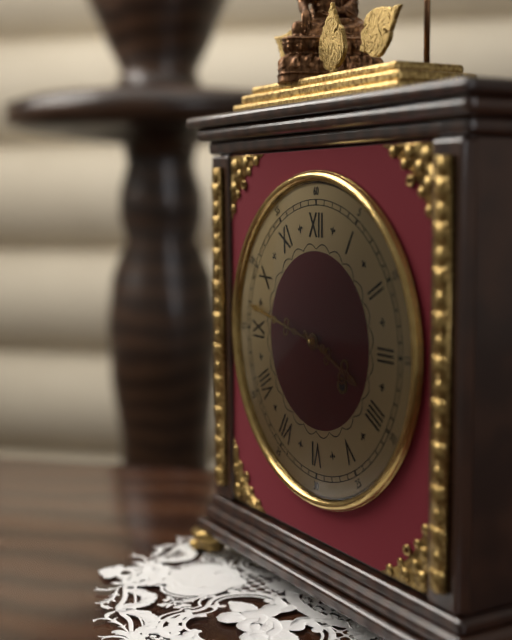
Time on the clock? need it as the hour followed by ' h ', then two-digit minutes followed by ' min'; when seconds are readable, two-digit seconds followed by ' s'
3 h 47 min
